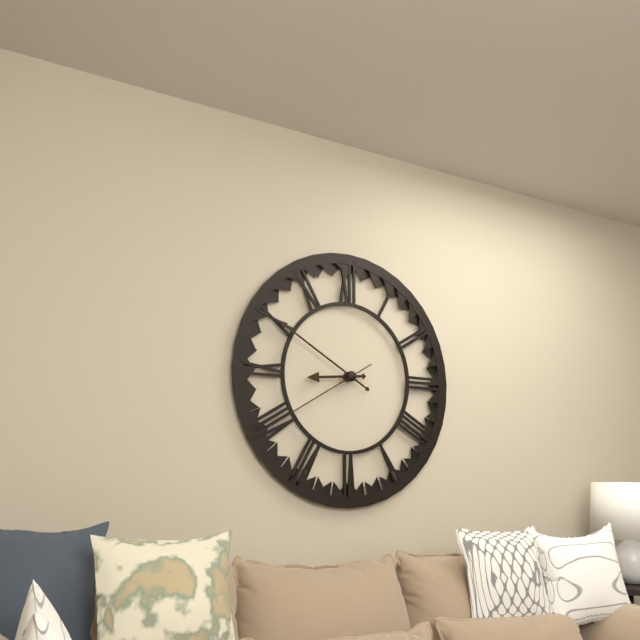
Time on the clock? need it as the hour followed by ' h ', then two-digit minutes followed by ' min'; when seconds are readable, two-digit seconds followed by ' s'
8 h 50 min 40 s
